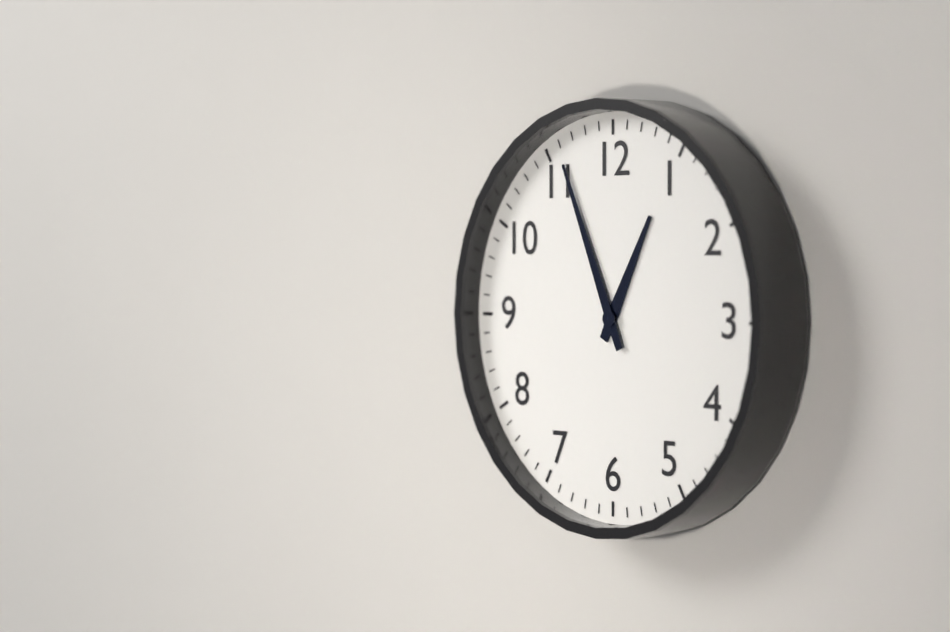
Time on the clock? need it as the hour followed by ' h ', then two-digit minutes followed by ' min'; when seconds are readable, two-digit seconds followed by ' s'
12 h 56 min
